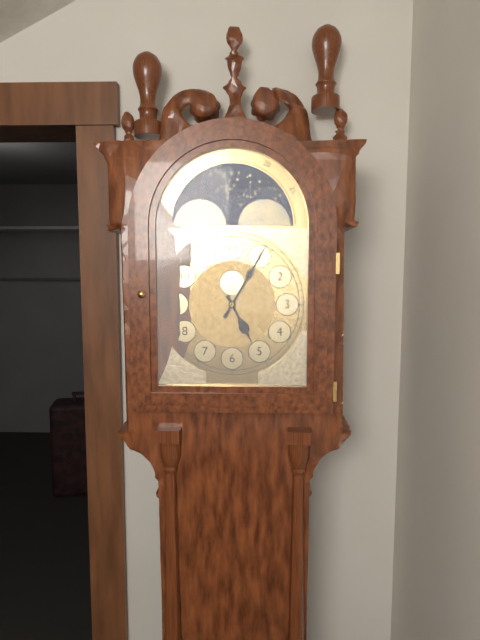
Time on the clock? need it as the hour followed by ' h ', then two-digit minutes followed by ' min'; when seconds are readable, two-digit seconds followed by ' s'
5 h 05 min
